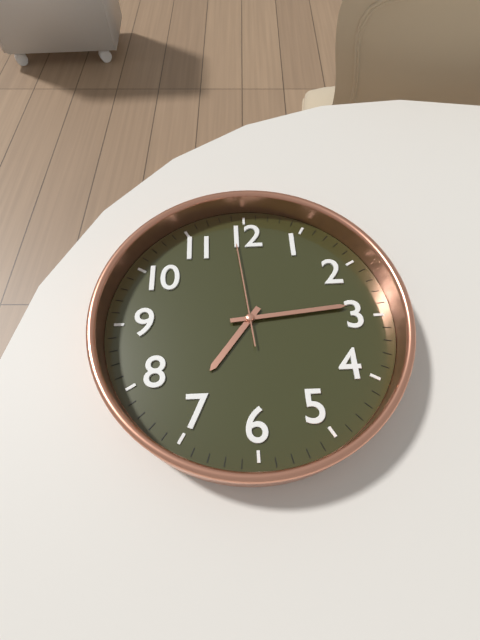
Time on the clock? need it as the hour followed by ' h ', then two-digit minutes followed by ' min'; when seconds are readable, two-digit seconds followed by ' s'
7 h 14 min 59 s
